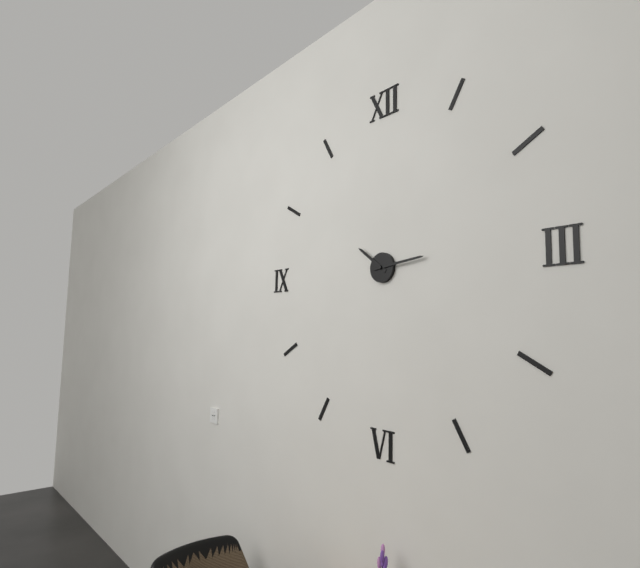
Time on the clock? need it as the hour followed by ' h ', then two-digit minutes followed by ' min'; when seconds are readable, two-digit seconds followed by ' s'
10 h 14 min
